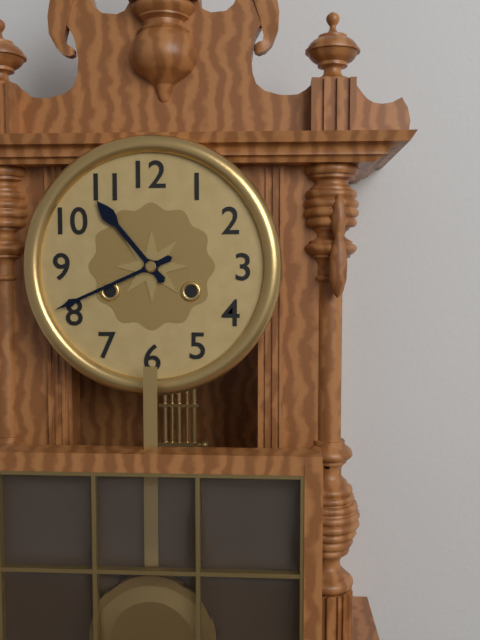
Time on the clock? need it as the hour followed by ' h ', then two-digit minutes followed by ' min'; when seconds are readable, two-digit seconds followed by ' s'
10 h 41 min
